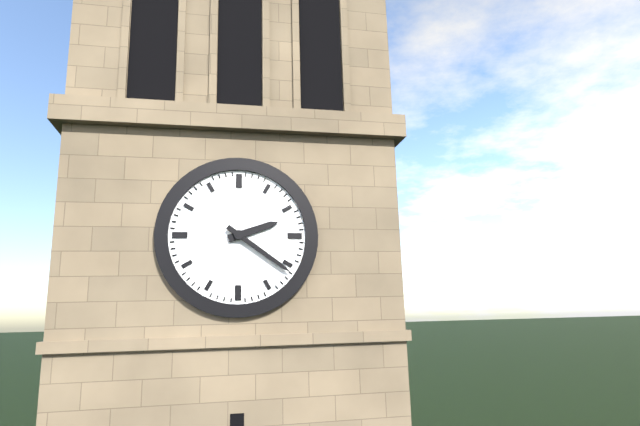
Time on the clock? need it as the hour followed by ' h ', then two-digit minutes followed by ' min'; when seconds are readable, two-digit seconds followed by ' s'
2 h 21 min
